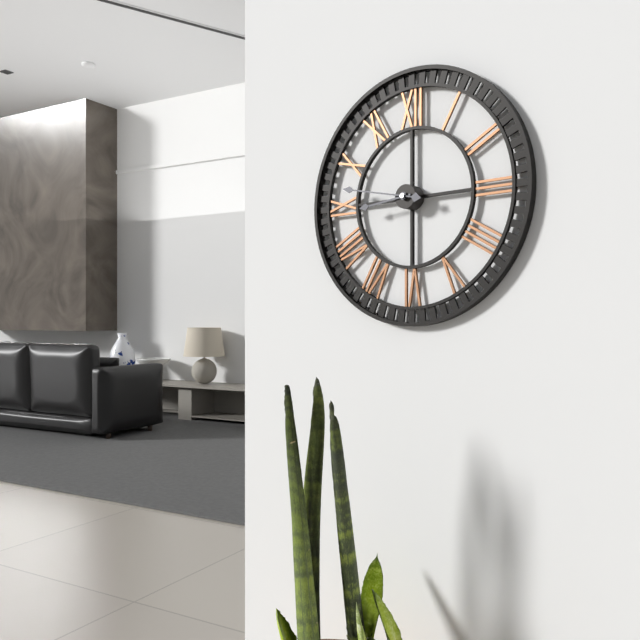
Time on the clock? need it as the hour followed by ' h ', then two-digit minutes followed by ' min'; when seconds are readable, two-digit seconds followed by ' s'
8 h 47 min
